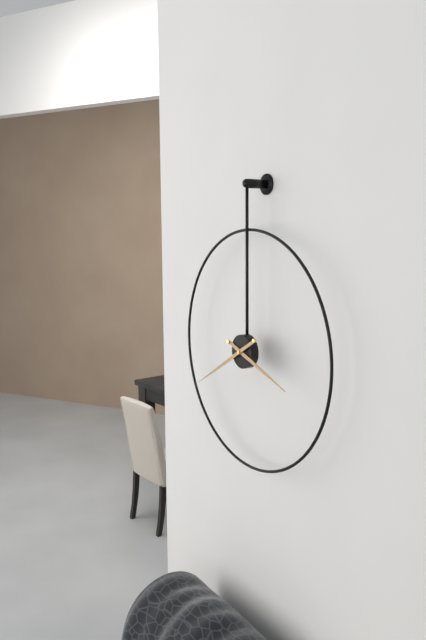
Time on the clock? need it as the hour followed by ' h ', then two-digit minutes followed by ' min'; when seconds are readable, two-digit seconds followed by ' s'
3 h 40 min
